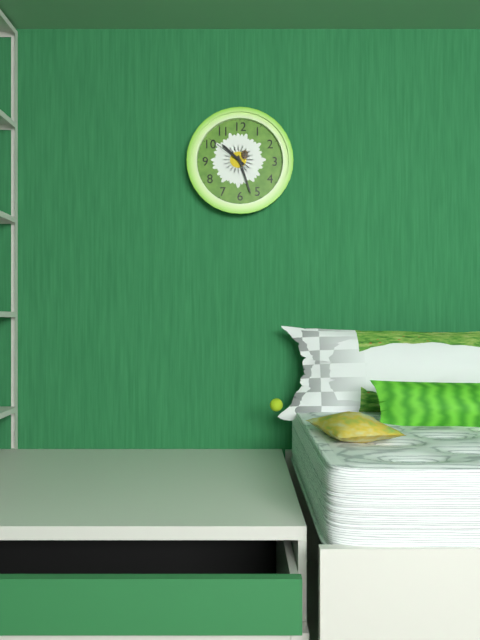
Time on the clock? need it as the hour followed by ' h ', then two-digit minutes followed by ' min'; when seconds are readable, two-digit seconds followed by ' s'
10 h 27 min
